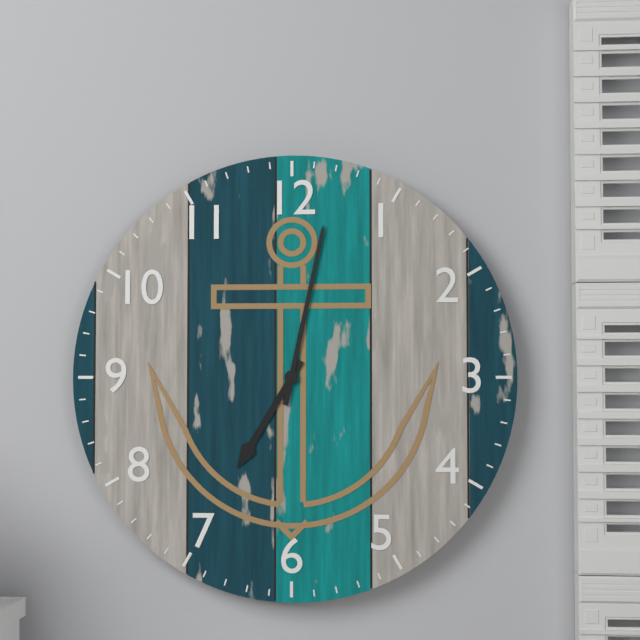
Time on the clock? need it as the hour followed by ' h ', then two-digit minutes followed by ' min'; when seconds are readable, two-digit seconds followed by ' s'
7 h 02 min
